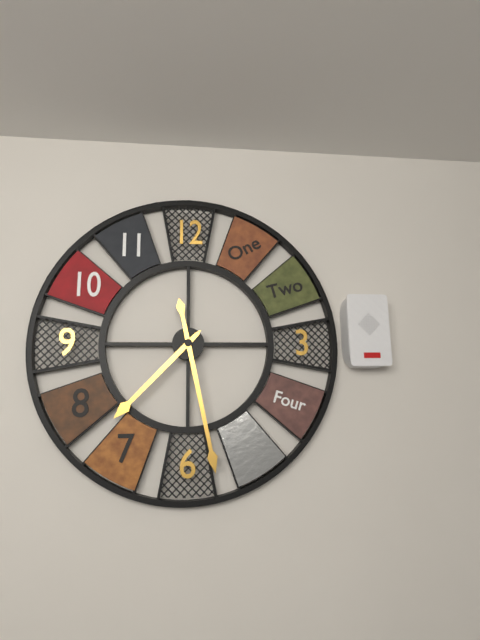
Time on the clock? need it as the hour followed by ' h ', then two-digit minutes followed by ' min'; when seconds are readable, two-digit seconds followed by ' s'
7 h 28 min
